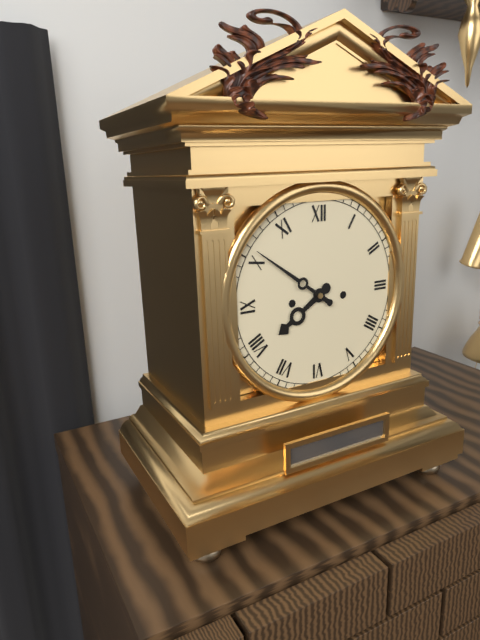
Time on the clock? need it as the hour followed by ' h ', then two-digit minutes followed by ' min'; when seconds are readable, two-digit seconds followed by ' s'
7 h 51 min
